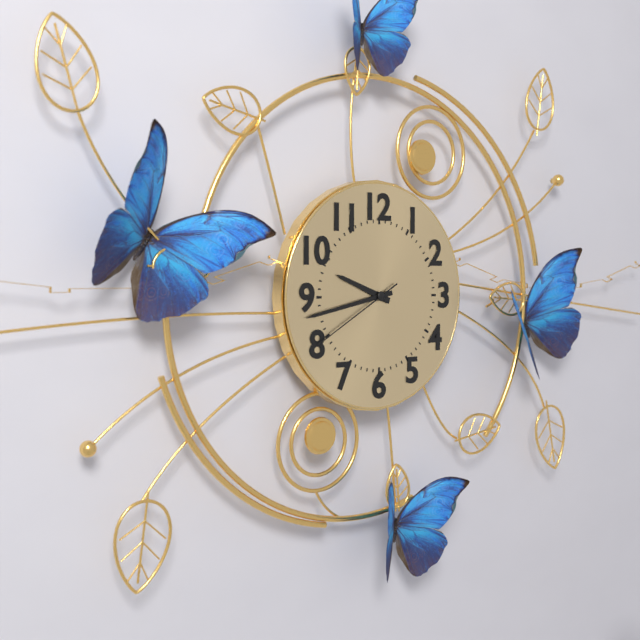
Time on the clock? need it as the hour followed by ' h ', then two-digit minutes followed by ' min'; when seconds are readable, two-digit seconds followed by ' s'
9 h 43 min 40 s
